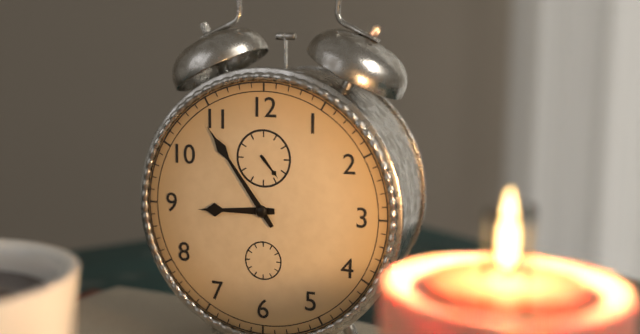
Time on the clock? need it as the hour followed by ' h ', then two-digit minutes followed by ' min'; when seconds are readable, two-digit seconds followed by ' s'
8 h 54 min
